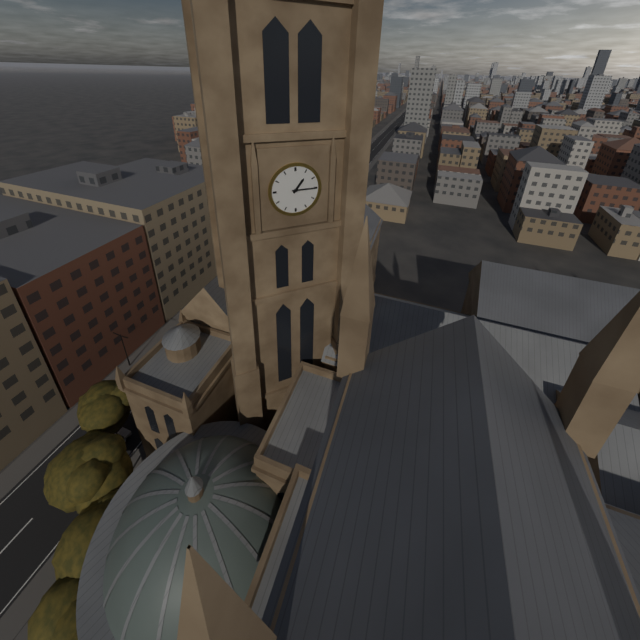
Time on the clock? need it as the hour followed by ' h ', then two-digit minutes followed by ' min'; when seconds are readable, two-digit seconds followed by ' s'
1 h 15 min
